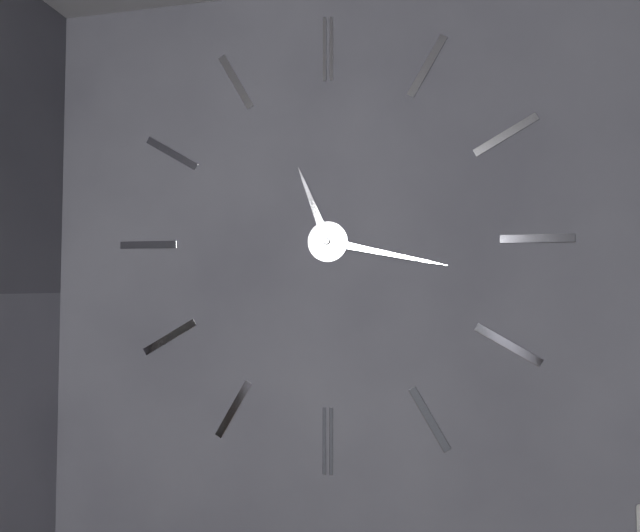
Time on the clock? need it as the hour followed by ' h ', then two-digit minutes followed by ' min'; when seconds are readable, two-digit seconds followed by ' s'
11 h 17 min
